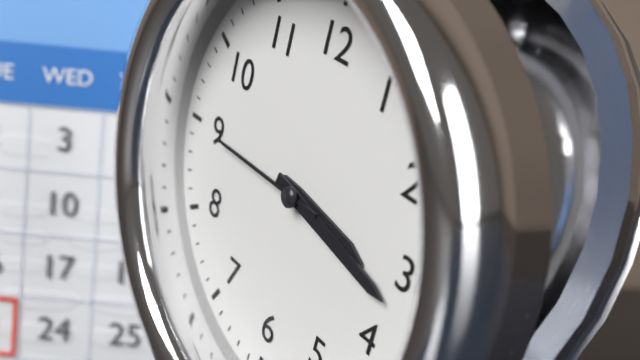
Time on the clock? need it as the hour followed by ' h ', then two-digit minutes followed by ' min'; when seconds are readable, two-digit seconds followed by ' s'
3 h 17 min 45 s
